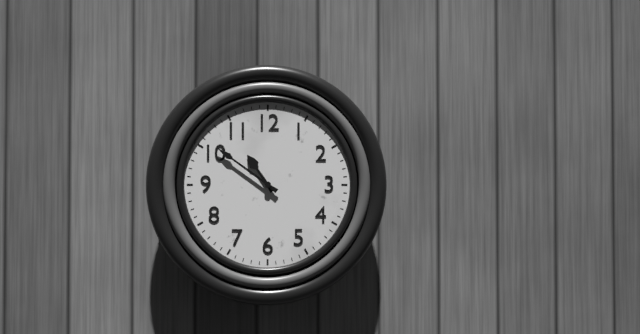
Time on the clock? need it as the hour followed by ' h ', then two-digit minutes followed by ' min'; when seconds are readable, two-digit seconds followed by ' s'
10 h 51 min
